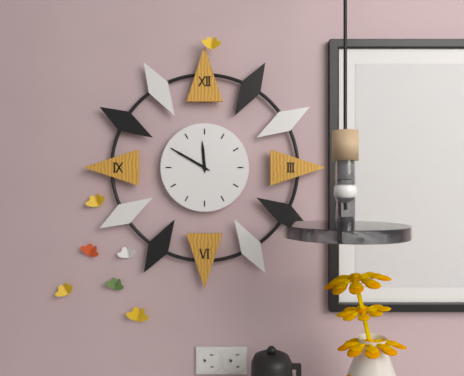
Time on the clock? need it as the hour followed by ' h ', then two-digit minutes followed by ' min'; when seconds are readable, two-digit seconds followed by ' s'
11 h 50 min
